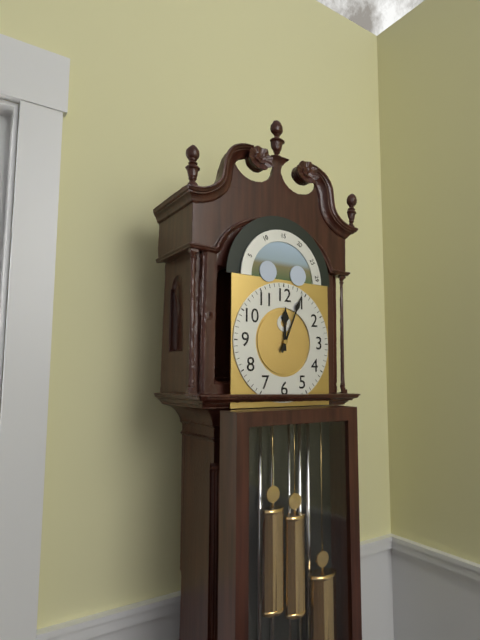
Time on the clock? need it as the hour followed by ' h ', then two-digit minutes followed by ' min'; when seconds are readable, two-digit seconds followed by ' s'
12 h 04 min
